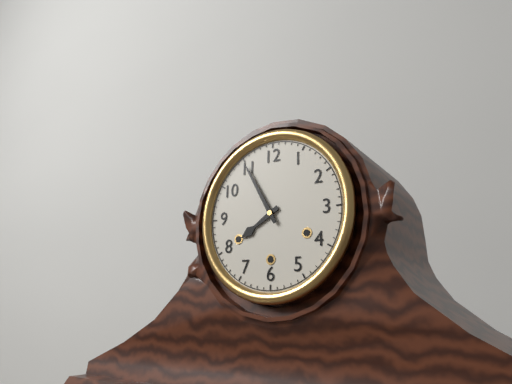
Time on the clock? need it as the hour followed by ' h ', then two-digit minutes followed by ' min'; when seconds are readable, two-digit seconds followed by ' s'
7 h 55 min
